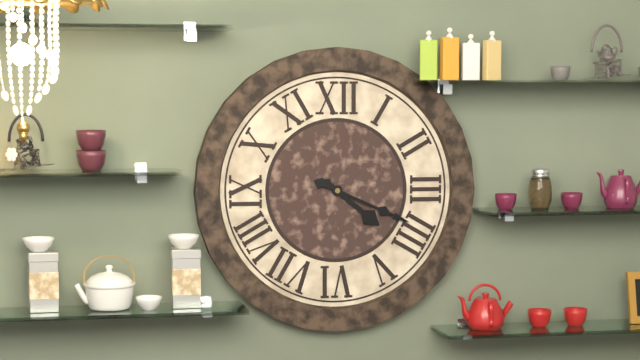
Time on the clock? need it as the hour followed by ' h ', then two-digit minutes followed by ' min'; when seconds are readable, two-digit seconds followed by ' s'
4 h 19 min
